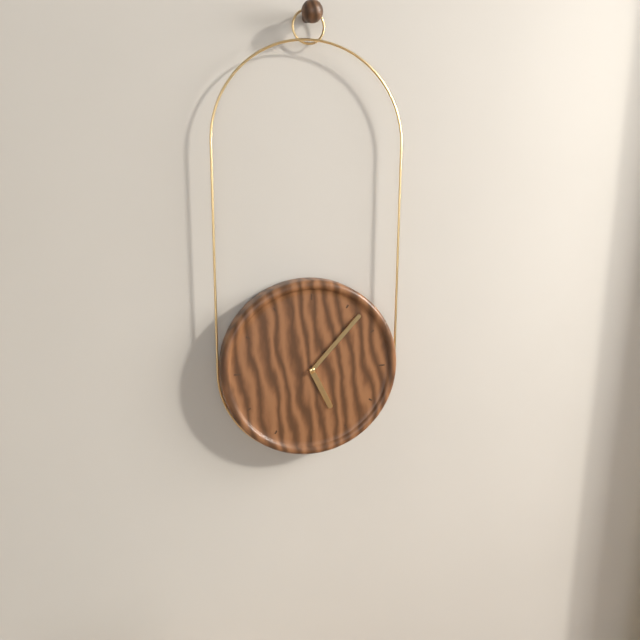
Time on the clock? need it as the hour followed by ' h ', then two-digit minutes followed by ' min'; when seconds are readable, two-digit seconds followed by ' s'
5 h 07 min
